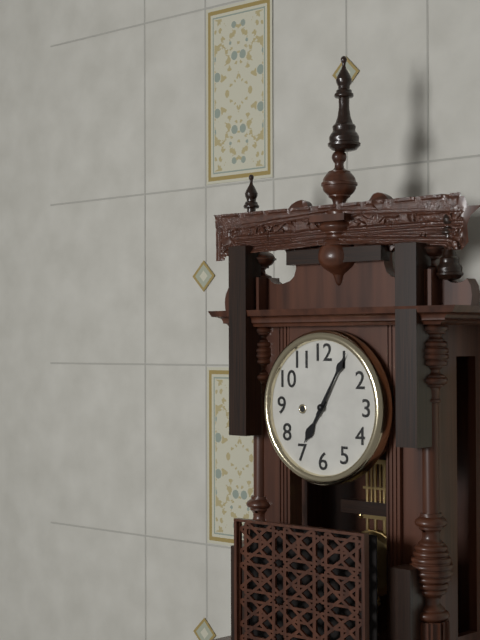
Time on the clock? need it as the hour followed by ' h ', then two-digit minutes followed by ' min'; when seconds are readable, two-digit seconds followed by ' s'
7 h 05 min
